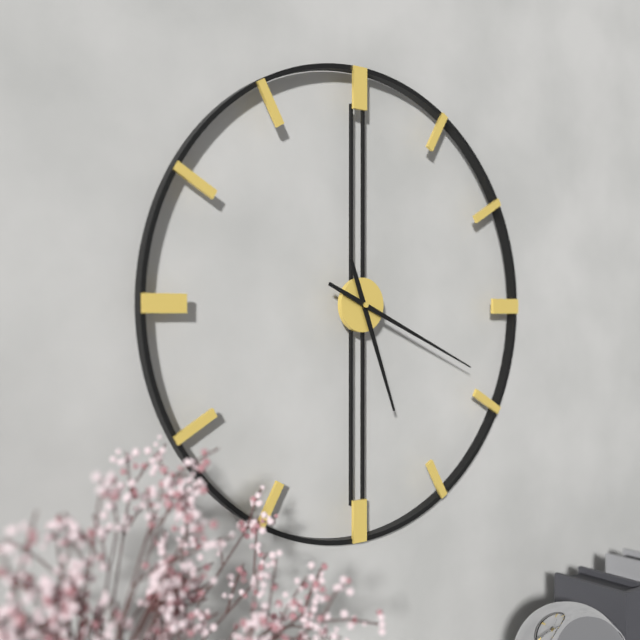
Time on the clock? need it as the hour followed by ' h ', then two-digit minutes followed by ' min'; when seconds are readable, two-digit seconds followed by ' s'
5 h 19 min
